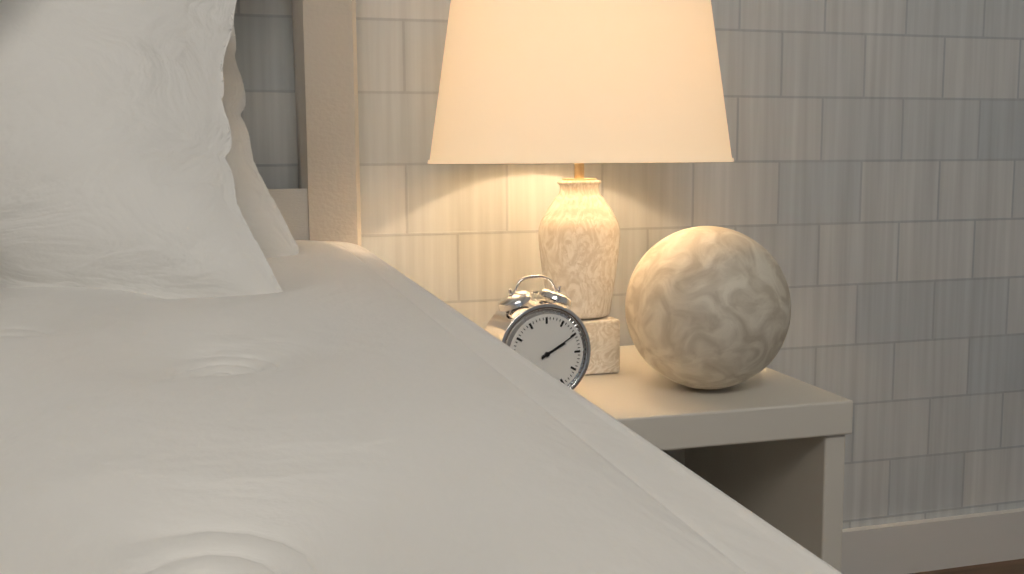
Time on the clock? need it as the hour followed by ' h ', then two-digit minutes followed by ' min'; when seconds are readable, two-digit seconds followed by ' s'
2 h 10 min
